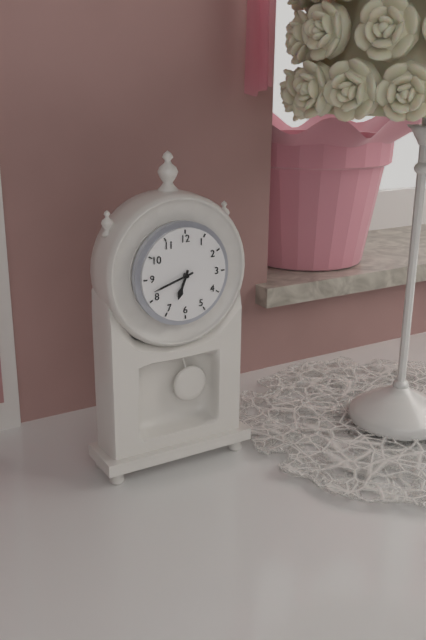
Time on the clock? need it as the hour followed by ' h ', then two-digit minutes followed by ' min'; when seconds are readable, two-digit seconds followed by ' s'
6 h 42 min
